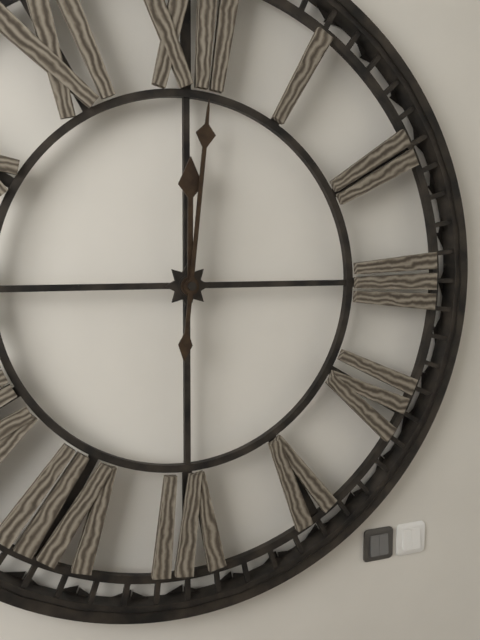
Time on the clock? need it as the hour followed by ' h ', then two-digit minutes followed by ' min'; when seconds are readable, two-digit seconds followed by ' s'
12 h 01 min
